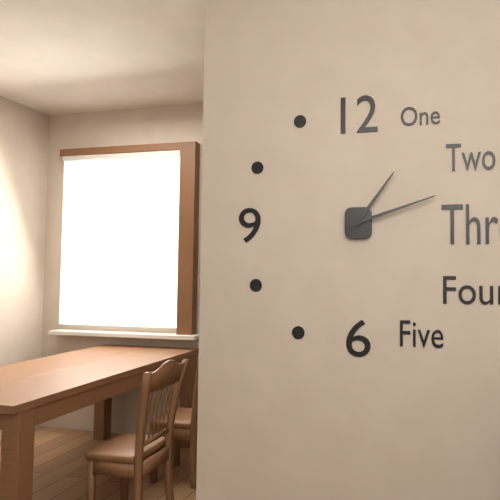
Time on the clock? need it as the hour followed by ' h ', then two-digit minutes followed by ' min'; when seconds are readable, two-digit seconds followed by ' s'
1 h 12 min
